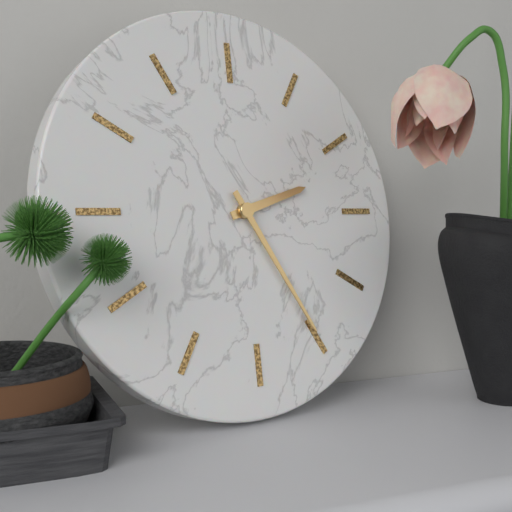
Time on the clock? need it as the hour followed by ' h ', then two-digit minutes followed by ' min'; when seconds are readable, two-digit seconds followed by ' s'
2 h 25 min
